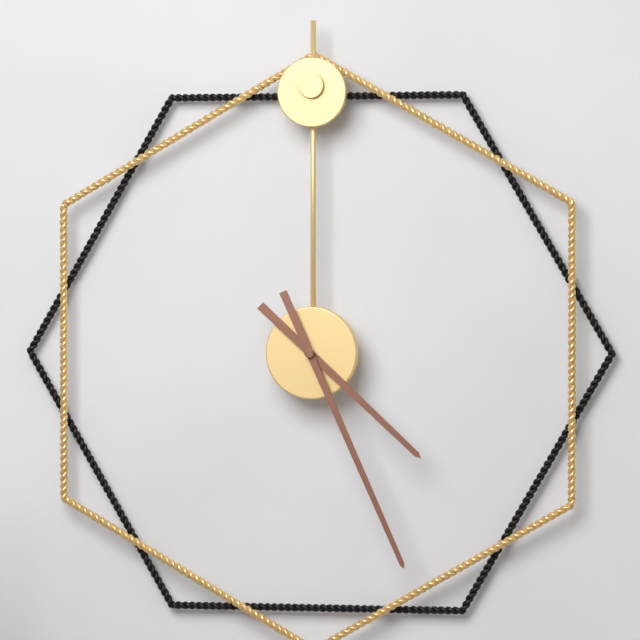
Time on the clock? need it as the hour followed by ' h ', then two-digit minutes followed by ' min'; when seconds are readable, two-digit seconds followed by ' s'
4 h 26 min
